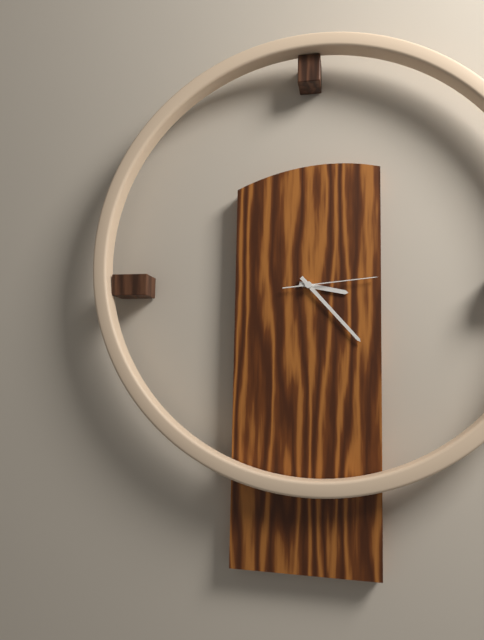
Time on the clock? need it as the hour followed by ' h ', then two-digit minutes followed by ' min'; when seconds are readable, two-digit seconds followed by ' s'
3 h 23 min 14 s
